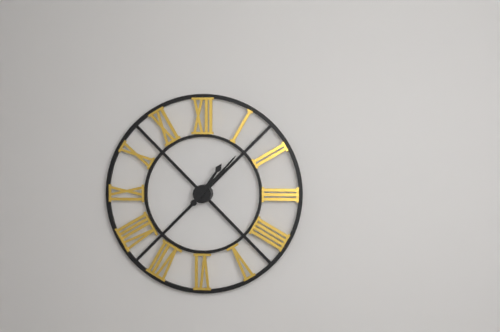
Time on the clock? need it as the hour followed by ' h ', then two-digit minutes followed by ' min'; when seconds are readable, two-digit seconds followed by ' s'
1 h 07 min
